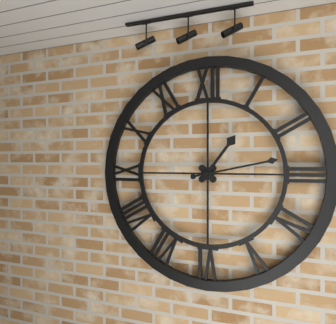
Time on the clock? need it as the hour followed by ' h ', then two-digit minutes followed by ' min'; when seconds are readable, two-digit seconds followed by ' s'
1 h 13 min
